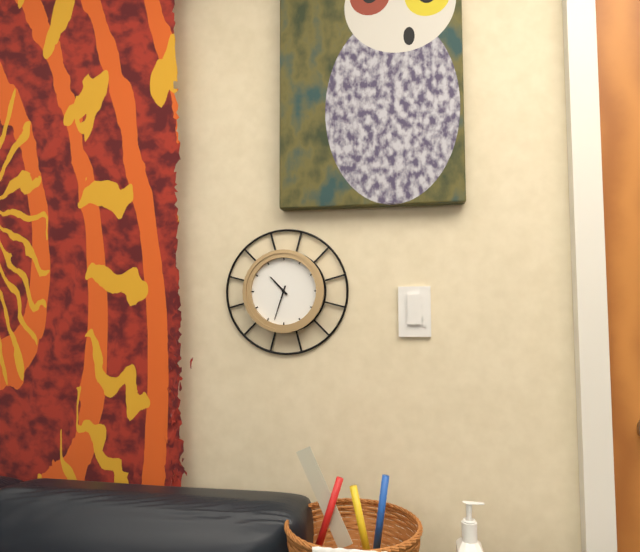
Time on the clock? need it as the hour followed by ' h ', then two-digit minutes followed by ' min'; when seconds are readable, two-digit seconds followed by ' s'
10 h 33 min
